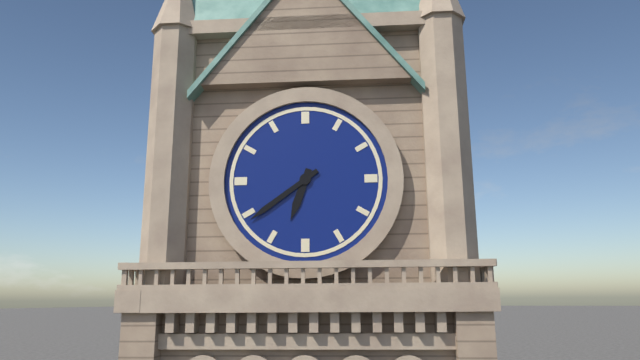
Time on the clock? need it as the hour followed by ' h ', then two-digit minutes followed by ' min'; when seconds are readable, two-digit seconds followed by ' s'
6 h 39 min
